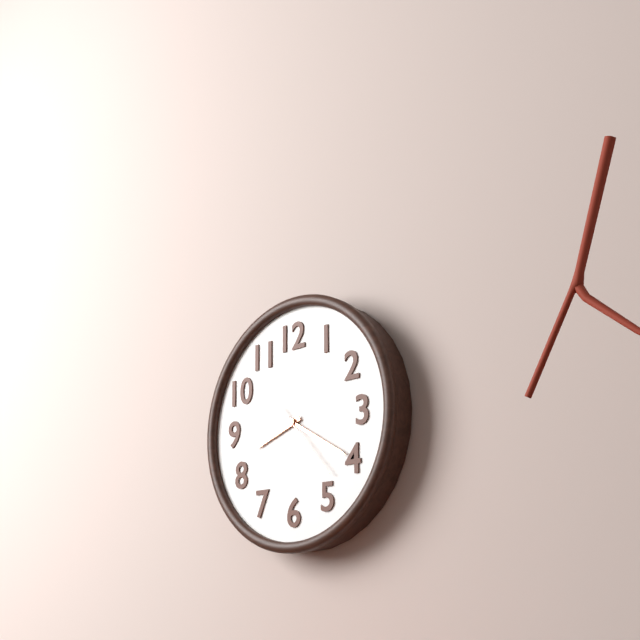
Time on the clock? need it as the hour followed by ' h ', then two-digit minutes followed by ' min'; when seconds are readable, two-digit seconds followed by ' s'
8 h 20 min 23 s
